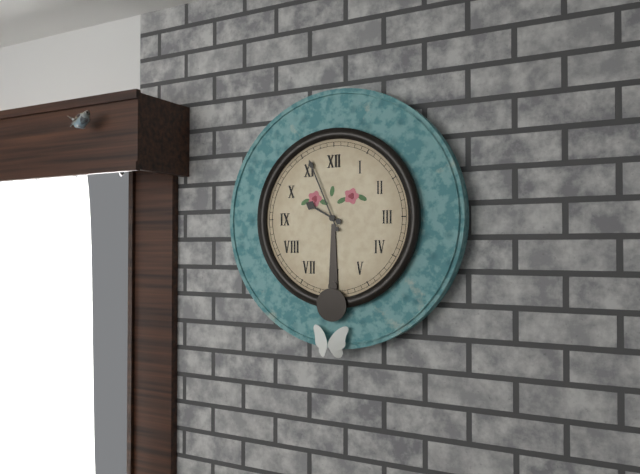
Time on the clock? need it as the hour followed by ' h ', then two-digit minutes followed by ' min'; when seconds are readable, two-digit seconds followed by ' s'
9 h 56 min
